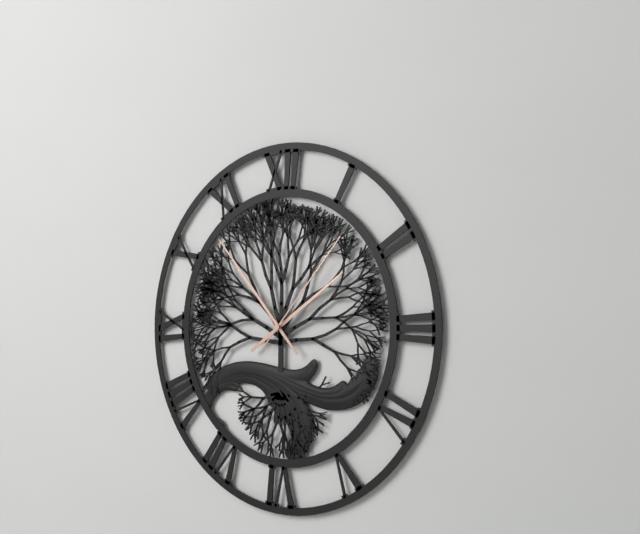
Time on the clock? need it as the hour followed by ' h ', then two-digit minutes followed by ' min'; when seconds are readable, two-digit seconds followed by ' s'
1 h 53 min 07 s
